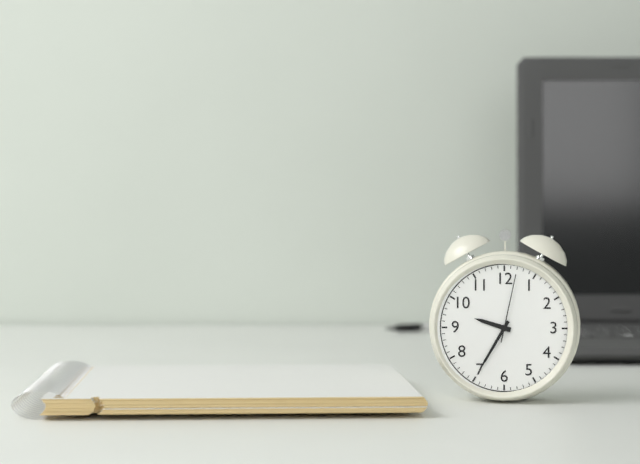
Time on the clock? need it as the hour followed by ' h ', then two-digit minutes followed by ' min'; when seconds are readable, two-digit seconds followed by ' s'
9 h 35 min 02 s
